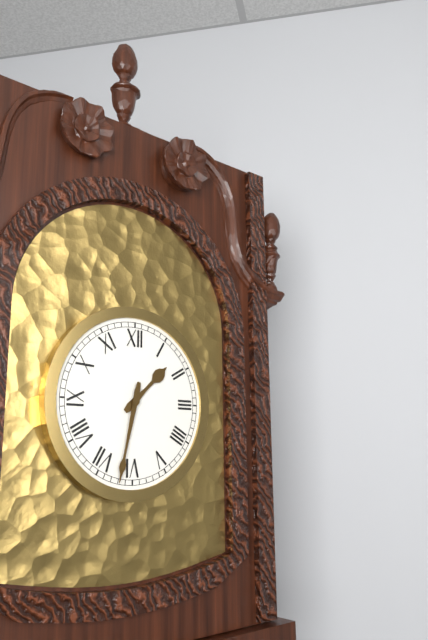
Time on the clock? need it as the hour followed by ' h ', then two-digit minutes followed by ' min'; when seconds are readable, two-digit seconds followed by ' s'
1 h 32 min
